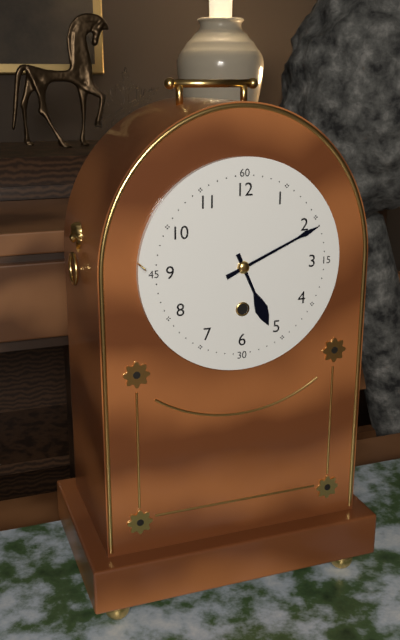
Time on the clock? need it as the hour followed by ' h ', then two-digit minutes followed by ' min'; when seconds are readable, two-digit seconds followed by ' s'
5 h 11 min
